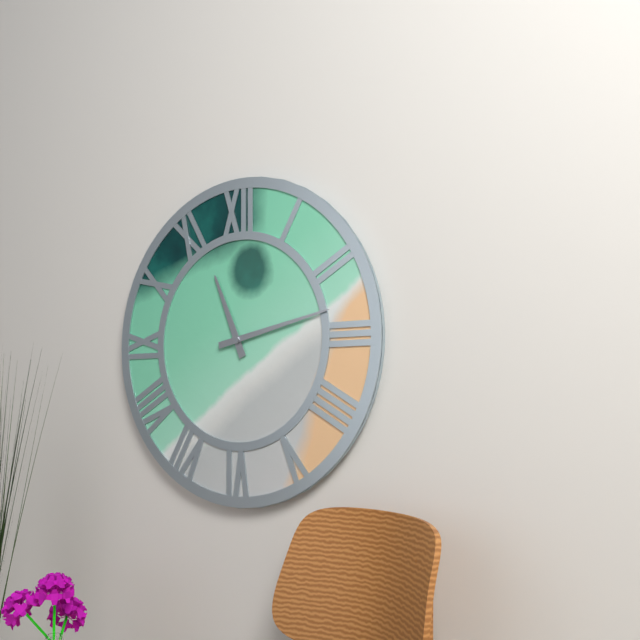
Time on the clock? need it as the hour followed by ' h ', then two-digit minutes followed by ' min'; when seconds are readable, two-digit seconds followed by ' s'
11 h 13 min
